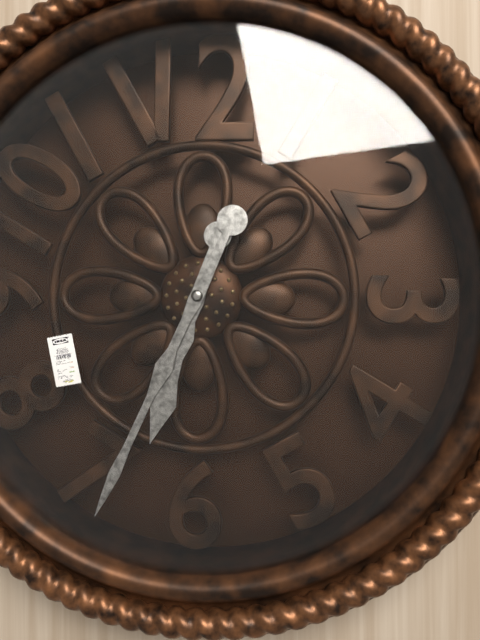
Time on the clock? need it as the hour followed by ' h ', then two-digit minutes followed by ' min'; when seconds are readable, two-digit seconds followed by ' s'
6 h 34 min
